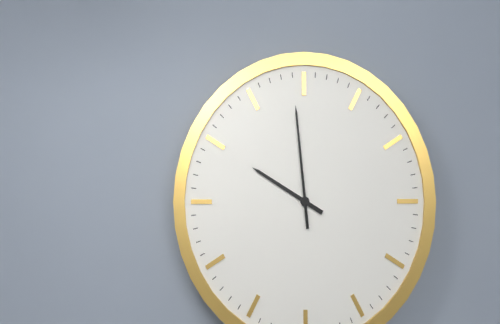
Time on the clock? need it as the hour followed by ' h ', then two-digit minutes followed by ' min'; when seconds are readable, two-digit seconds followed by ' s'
9 h 59 min
